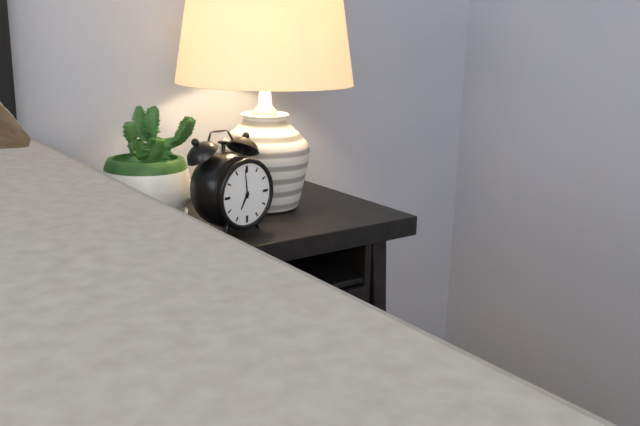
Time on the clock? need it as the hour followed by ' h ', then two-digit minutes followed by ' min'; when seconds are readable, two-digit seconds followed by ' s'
6 h 59 min
